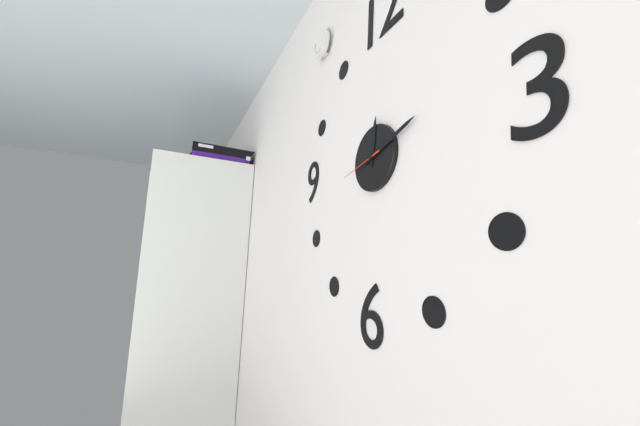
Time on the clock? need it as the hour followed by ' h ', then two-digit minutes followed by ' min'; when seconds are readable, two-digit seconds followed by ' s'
12 h 12 min
